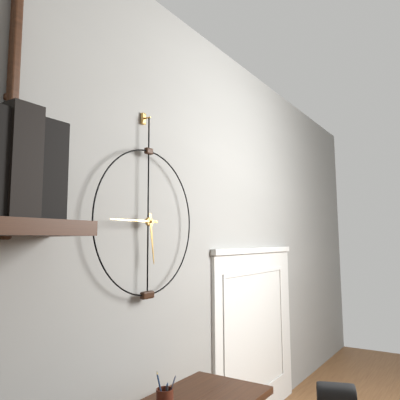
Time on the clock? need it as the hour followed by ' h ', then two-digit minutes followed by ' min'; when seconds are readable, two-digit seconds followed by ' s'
5 h 45 min
